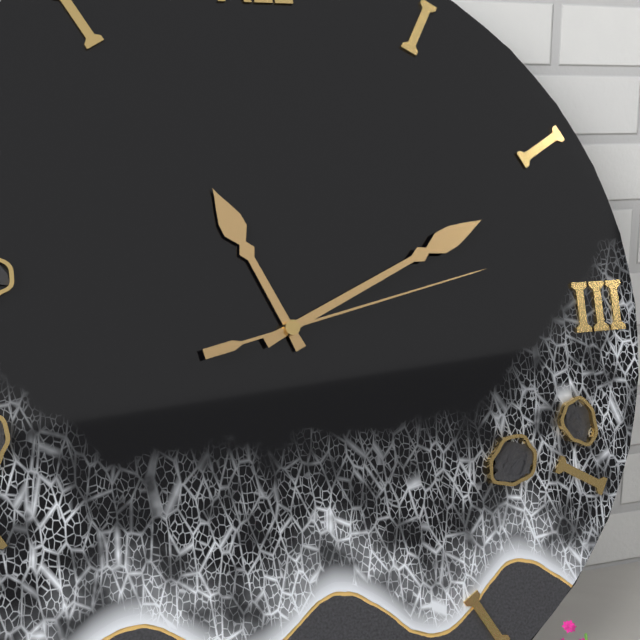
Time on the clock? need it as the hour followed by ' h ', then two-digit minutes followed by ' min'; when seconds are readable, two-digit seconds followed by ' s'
11 h 11 min 13 s
